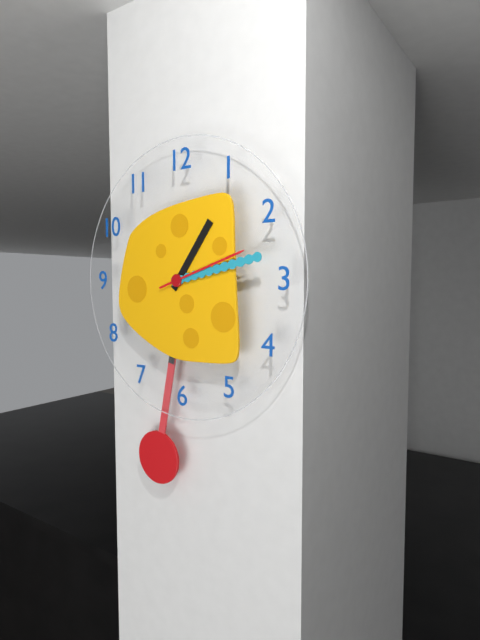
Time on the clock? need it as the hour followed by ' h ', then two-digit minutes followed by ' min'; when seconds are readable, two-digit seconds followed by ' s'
1 h 13 min 12 s
